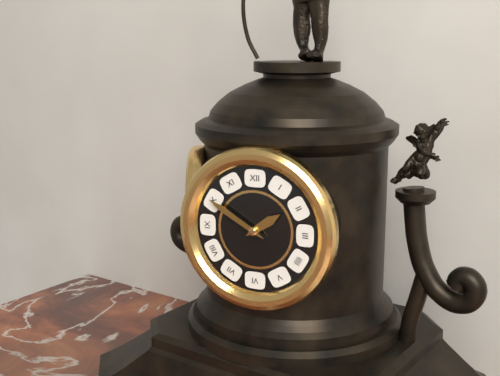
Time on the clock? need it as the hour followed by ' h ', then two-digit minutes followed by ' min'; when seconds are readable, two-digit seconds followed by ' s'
1 h 50 min
